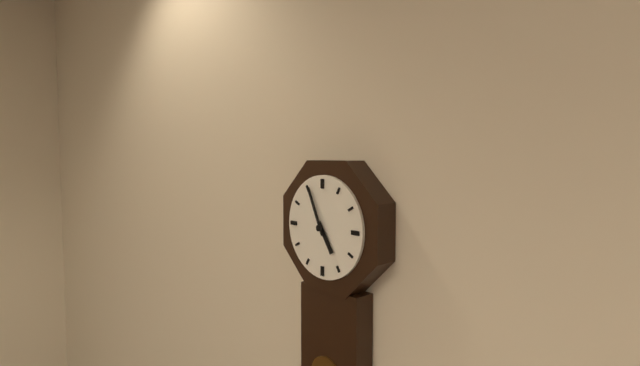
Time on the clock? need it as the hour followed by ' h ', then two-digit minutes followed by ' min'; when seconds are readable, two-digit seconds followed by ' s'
4 h 56 min
